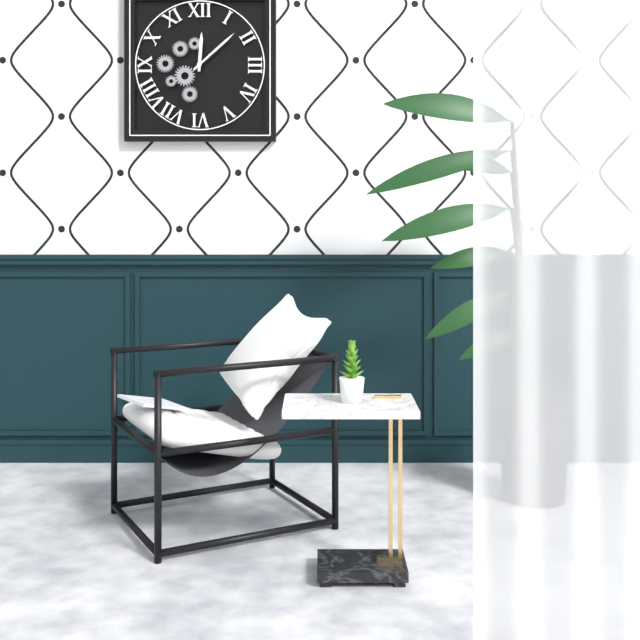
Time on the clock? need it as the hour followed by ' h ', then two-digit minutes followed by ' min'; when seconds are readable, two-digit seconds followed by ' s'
12 h 08 min
